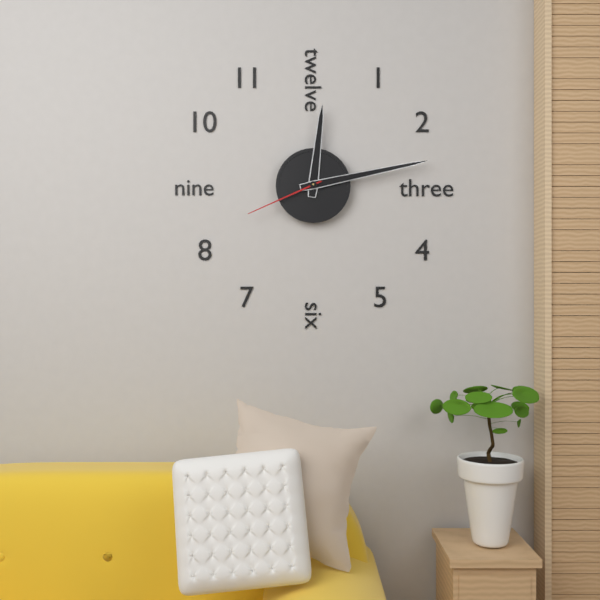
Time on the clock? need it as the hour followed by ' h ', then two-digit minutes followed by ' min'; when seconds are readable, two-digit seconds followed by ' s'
12 h 13 min 41 s
